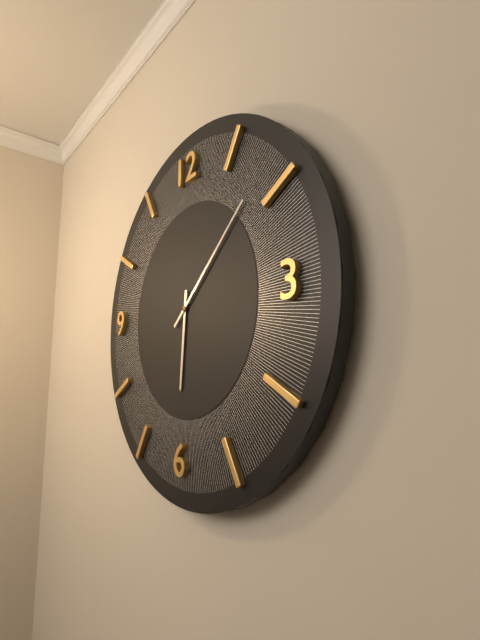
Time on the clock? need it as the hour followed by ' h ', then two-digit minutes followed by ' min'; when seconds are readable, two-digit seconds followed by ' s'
6 h 08 min
